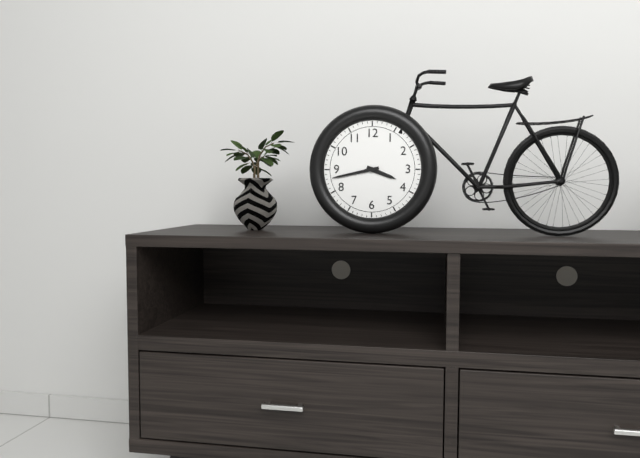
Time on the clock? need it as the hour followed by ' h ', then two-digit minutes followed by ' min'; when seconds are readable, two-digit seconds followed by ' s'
3 h 43 min
